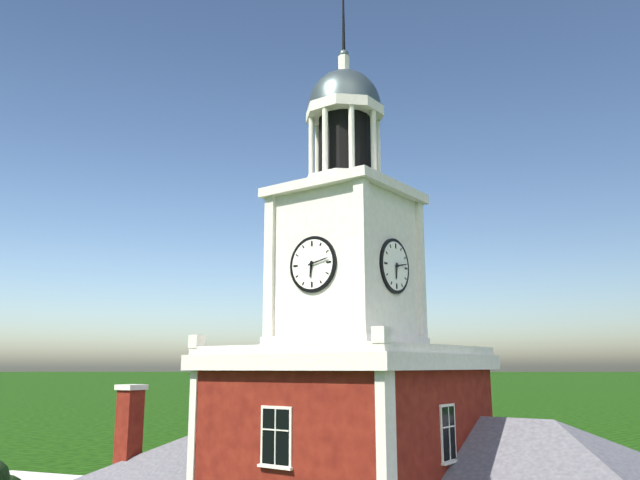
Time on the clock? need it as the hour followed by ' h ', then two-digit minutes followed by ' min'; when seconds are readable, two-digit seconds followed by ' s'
6 h 13 min
